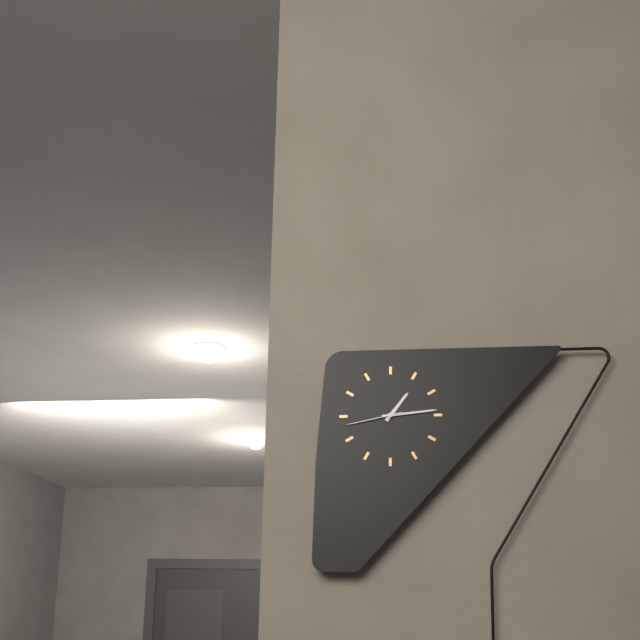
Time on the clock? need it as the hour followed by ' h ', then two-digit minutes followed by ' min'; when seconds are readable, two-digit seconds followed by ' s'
1 h 14 min 43 s
